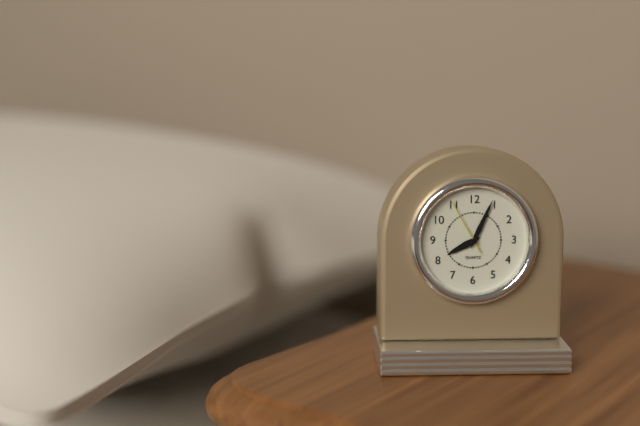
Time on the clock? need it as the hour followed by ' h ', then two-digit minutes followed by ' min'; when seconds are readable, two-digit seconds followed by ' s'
8 h 04 min 55 s
